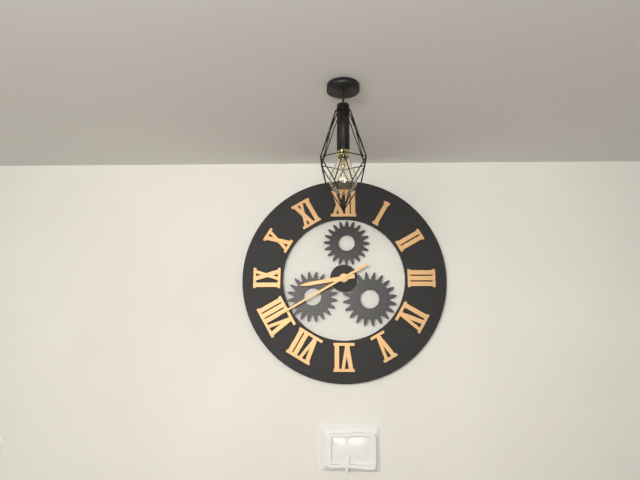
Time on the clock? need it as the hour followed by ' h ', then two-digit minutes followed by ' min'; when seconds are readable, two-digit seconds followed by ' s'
8 h 40 min
